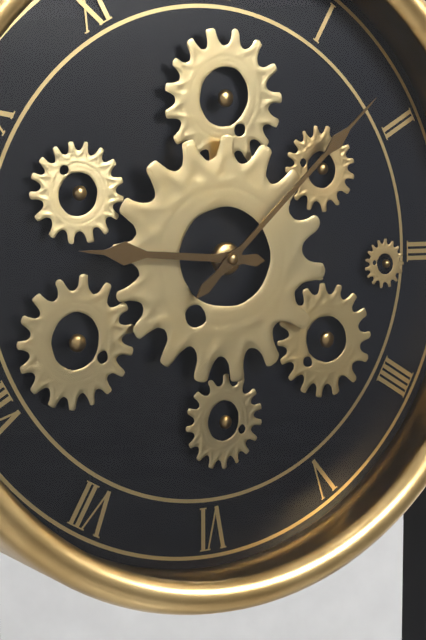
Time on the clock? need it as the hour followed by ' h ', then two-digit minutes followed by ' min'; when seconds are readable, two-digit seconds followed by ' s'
9 h 08 min
